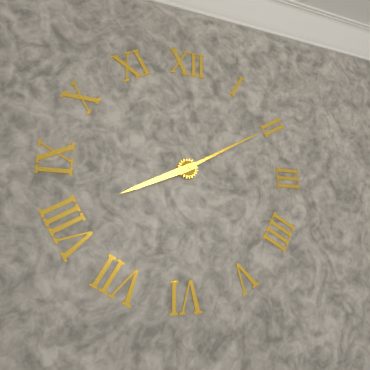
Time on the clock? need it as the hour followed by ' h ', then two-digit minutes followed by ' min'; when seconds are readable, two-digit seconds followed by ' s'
8 h 10 min
